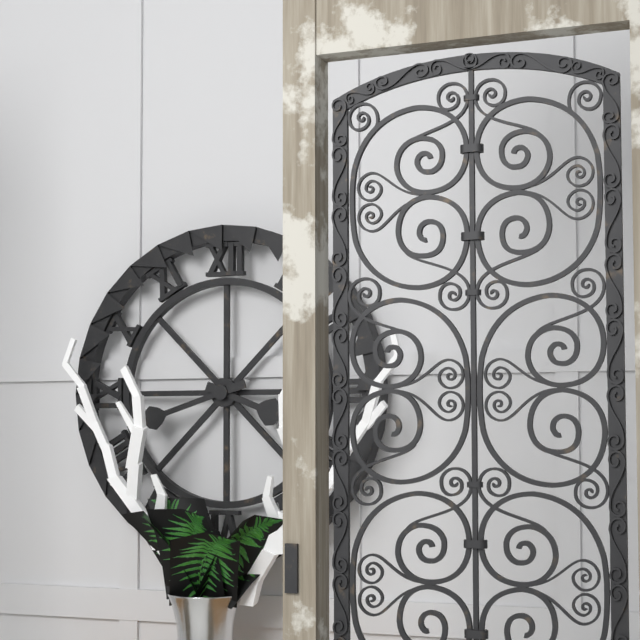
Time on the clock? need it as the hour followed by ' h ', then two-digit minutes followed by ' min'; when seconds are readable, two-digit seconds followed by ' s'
3 h 42 min
